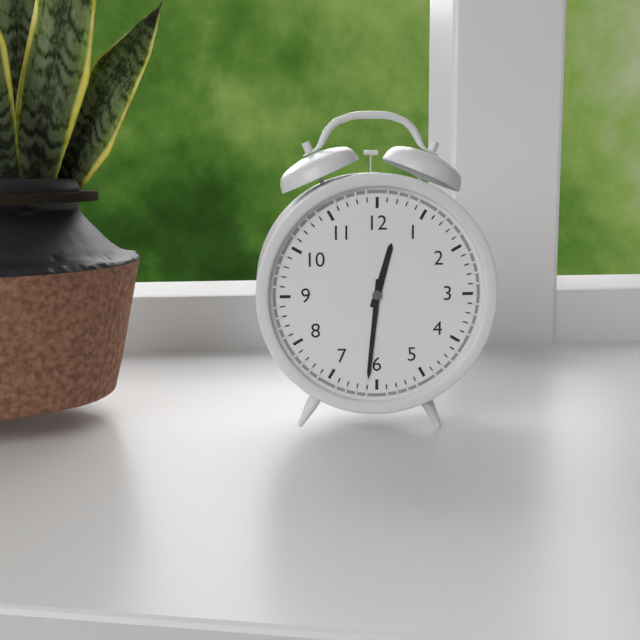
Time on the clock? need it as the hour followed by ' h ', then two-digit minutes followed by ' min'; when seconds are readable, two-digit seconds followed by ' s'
12 h 31 min
